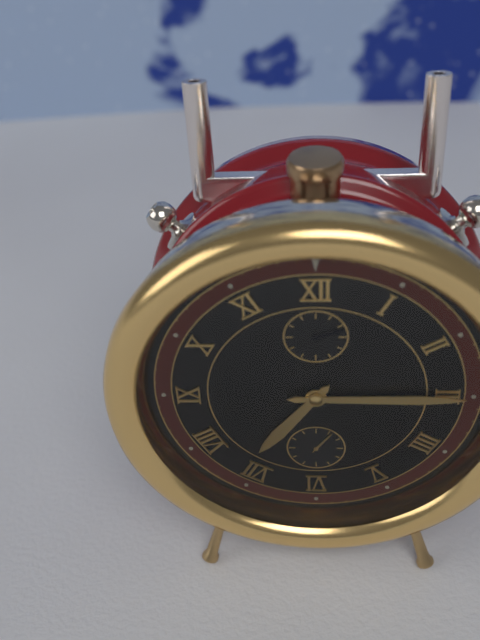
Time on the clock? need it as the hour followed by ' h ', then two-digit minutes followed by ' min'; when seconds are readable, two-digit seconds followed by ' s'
7 h 15 min 06 s
